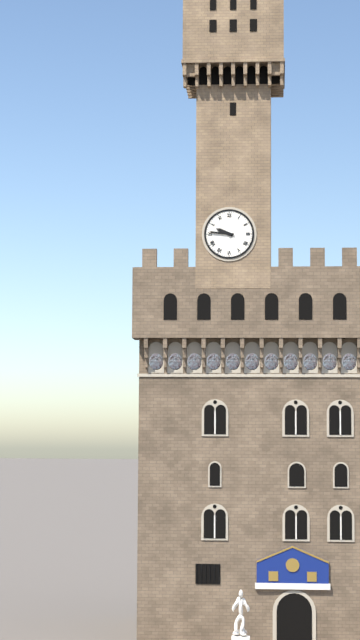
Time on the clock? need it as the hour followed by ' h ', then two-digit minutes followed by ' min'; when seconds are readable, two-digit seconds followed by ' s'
9 h 46 min
